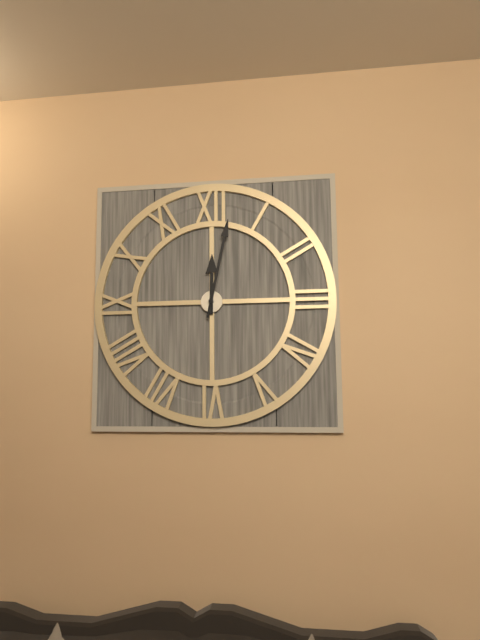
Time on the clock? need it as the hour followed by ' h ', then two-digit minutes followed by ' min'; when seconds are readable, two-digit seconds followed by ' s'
12 h 02 min
